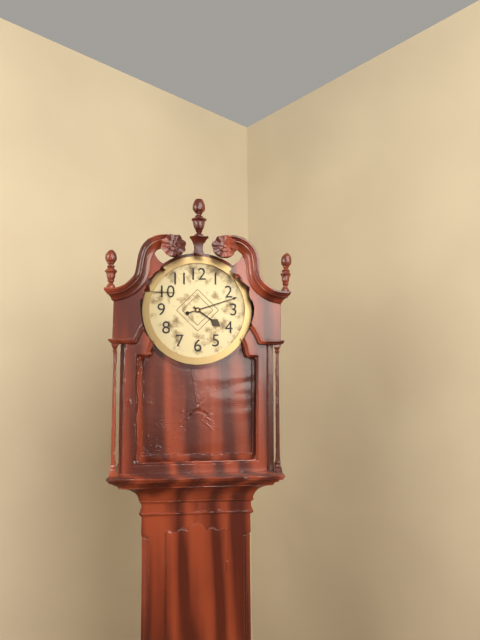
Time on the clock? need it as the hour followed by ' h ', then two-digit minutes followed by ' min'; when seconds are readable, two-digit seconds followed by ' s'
4 h 12 min
